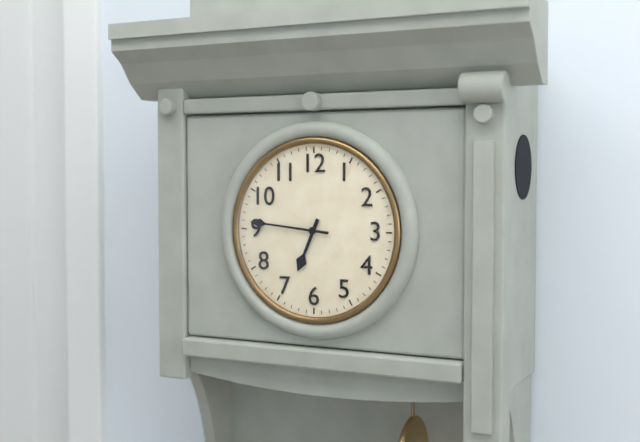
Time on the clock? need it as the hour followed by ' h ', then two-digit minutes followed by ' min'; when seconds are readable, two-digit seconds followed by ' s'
6 h 46 min
